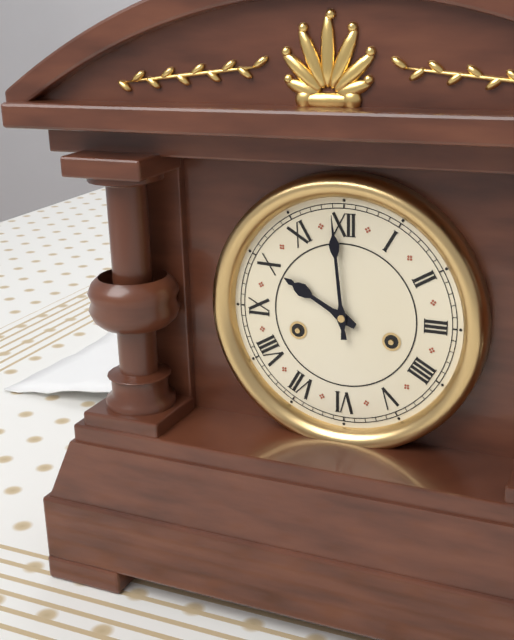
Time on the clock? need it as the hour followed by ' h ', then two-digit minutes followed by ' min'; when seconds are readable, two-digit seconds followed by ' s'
9 h 59 min
